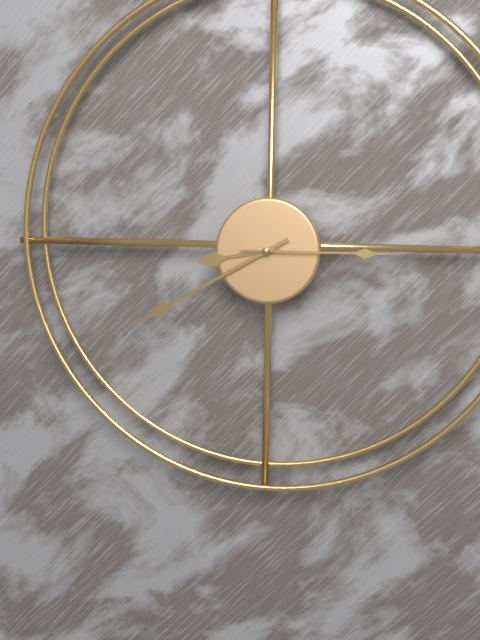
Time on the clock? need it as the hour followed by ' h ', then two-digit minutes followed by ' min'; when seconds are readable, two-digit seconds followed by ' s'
8 h 40 min 15 s
